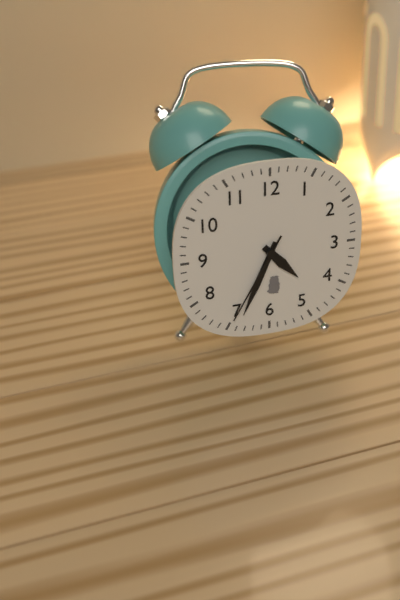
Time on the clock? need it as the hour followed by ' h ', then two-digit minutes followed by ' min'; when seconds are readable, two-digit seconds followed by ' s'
4 h 34 min 35 s
